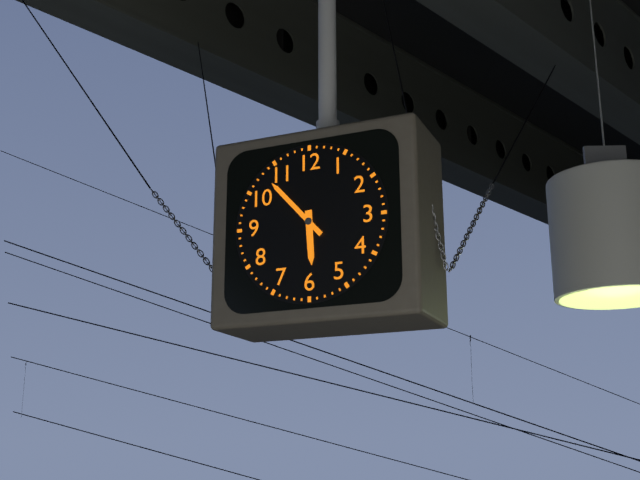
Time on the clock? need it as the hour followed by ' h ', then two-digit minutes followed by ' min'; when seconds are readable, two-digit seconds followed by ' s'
5 h 53 min
